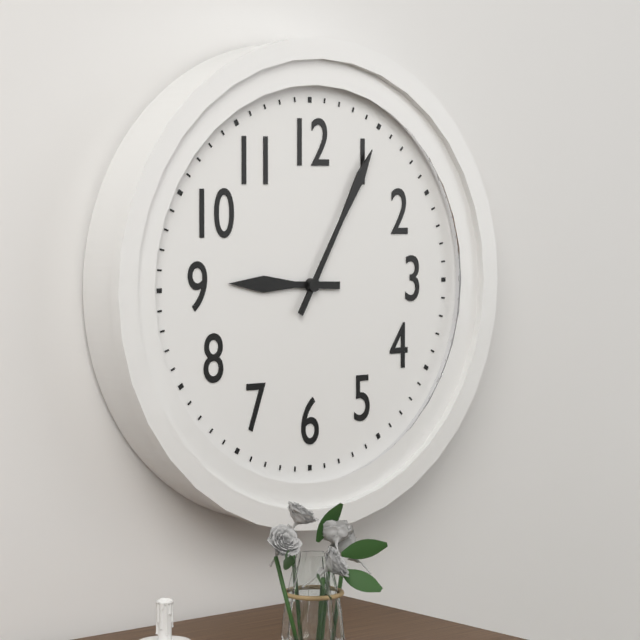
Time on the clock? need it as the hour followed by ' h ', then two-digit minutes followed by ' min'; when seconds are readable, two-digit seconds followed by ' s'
9 h 05 min
